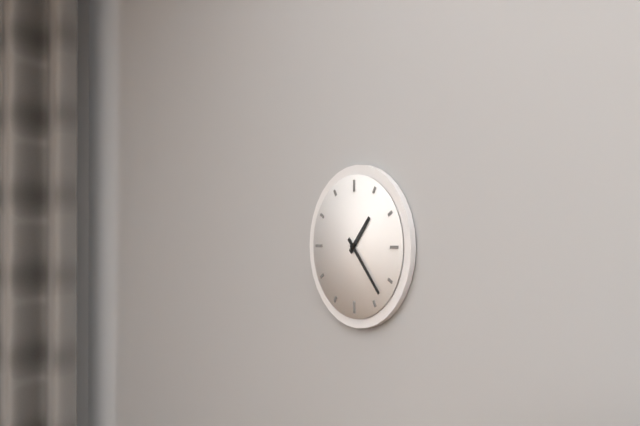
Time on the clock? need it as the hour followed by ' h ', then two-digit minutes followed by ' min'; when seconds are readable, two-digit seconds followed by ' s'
1 h 23 min
